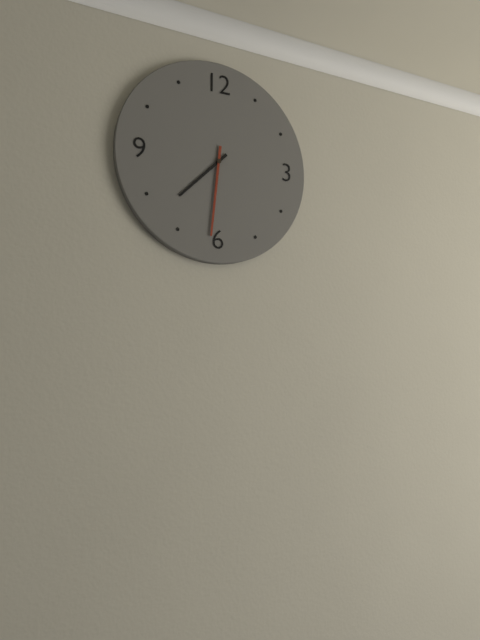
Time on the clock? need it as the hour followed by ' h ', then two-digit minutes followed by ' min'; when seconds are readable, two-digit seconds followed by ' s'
7 h 31 min
